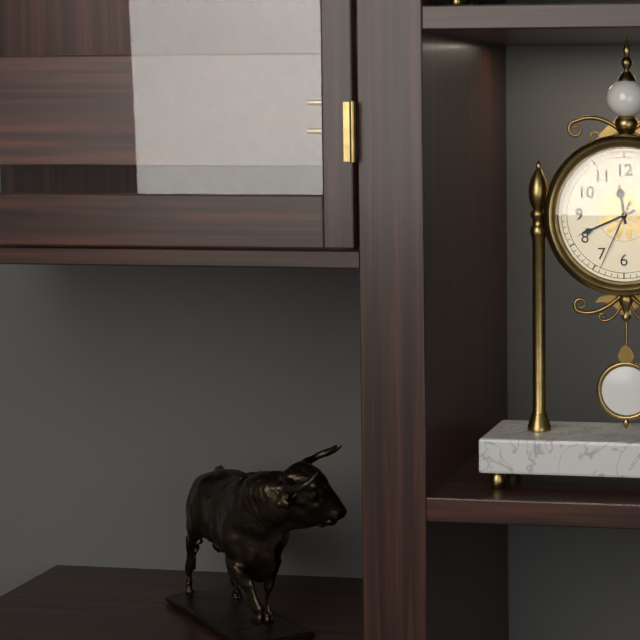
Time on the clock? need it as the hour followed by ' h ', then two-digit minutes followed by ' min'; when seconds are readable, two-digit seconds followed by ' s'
11 h 41 min 34 s
